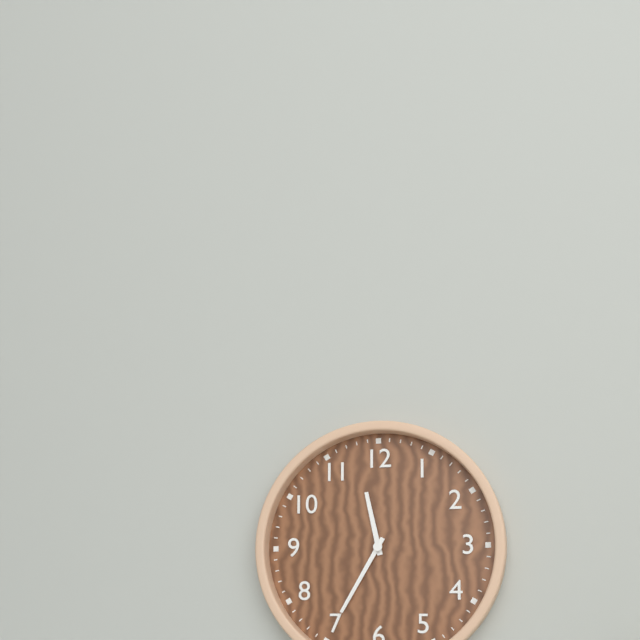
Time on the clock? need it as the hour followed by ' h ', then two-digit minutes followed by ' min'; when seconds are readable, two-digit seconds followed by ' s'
11 h 35 min
